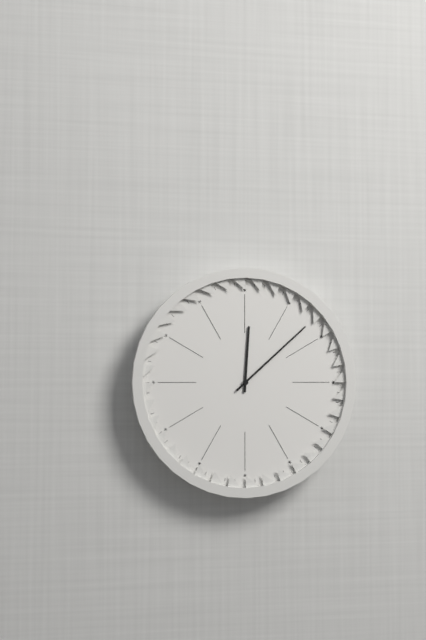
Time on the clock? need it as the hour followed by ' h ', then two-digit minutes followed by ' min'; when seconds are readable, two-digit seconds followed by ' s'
12 h 08 min
